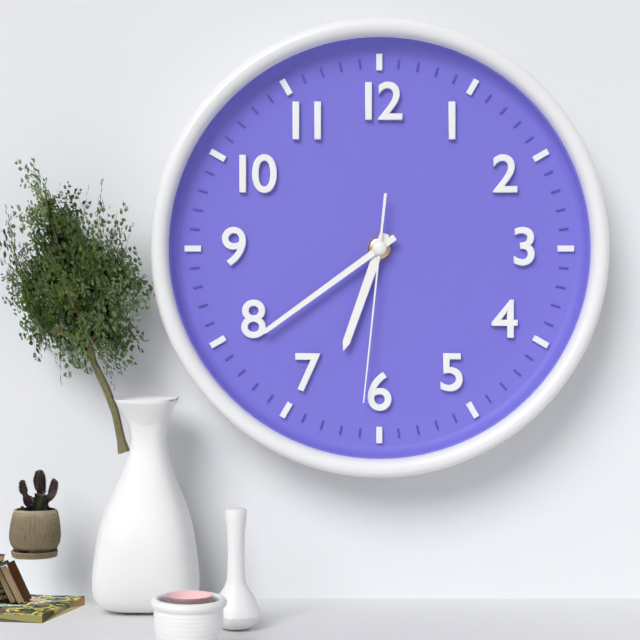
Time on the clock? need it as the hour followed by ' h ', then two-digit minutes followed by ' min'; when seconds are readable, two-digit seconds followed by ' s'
6 h 39 min 31 s
